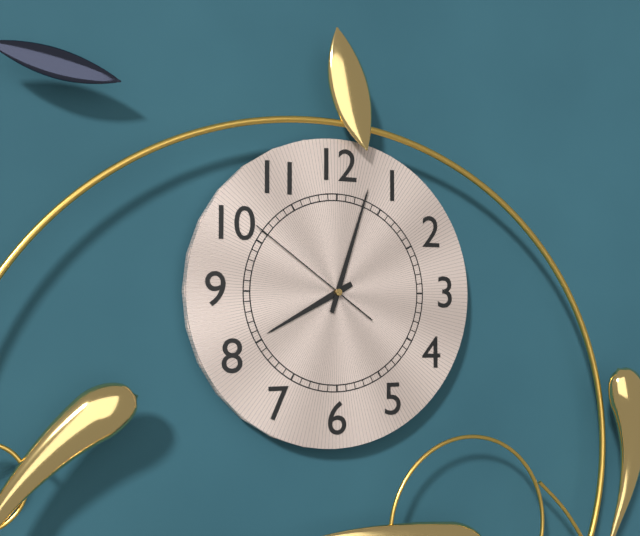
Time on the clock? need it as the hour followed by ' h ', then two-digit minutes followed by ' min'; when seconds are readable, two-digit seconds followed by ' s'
8 h 03 min 51 s
